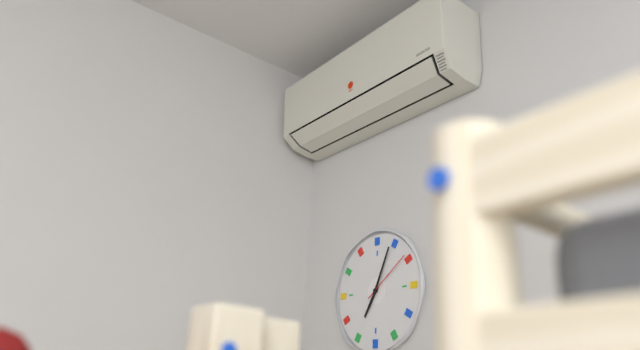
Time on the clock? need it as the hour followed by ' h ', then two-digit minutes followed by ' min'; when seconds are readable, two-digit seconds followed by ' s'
7 h 04 min 09 s
